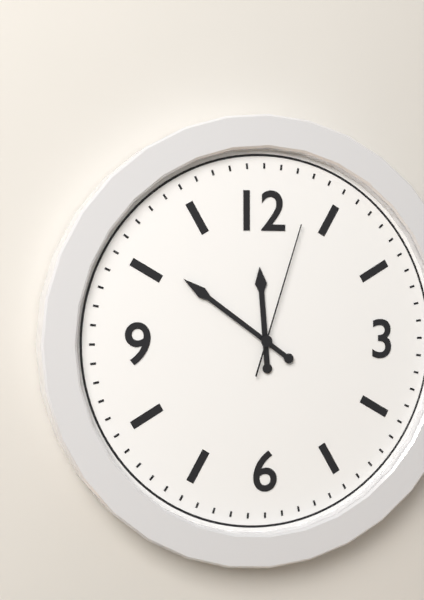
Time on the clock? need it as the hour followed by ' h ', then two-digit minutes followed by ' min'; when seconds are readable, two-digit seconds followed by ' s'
11 h 51 min 03 s
